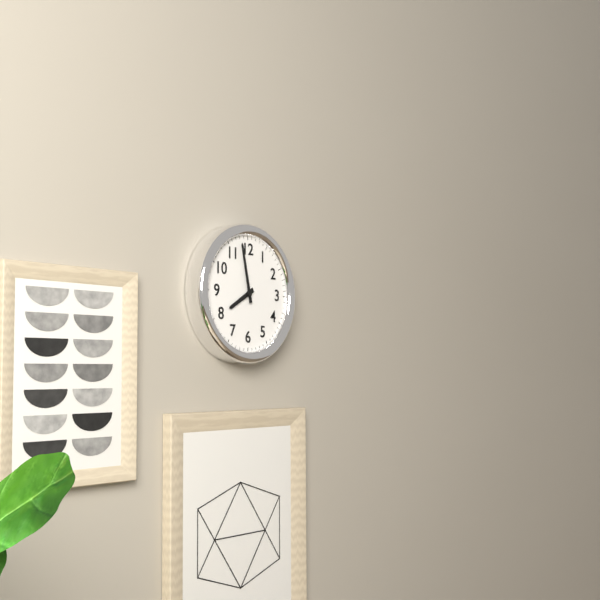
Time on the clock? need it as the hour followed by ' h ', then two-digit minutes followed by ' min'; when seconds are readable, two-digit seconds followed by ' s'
7 h 58 min
